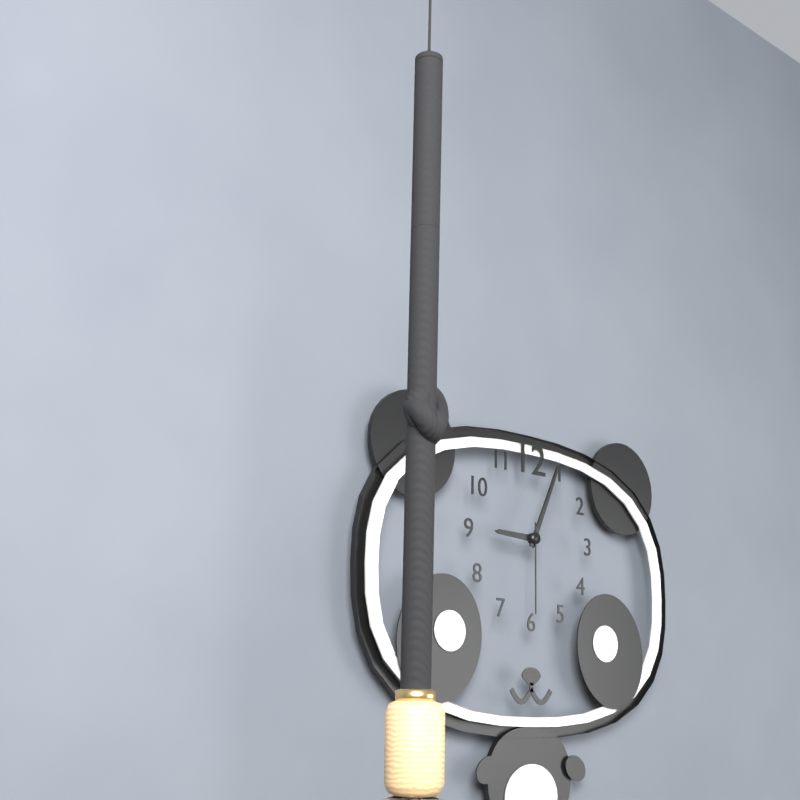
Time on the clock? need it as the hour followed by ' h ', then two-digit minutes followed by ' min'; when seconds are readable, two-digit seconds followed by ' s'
9 h 04 min 30 s
